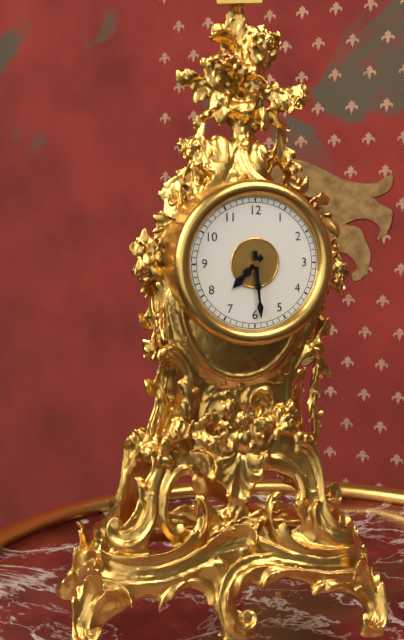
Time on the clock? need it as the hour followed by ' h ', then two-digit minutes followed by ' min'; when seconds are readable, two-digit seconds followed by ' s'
7 h 29 min
